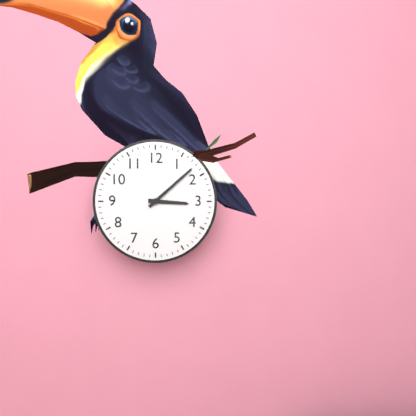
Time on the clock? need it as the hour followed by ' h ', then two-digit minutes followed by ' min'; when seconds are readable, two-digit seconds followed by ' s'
3 h 08 min
